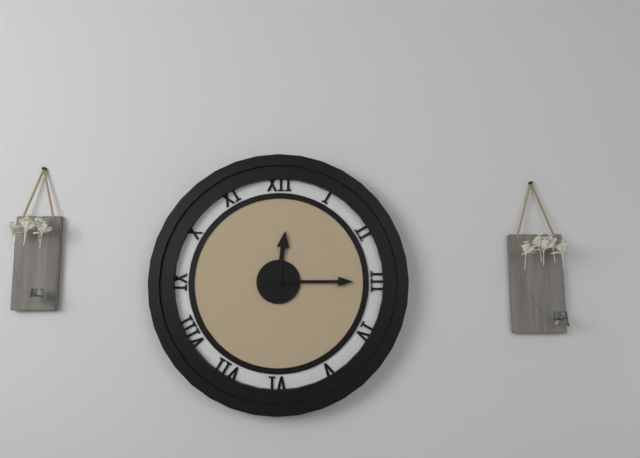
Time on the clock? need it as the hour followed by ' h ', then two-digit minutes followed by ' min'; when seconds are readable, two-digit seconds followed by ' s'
12 h 15 min
